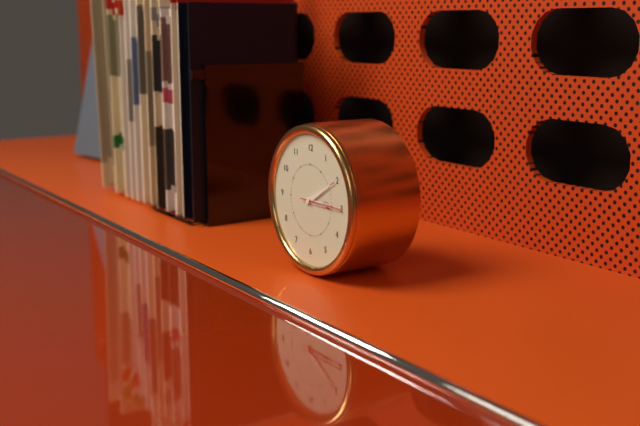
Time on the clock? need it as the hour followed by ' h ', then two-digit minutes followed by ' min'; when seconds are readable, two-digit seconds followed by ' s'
3 h 10 min
